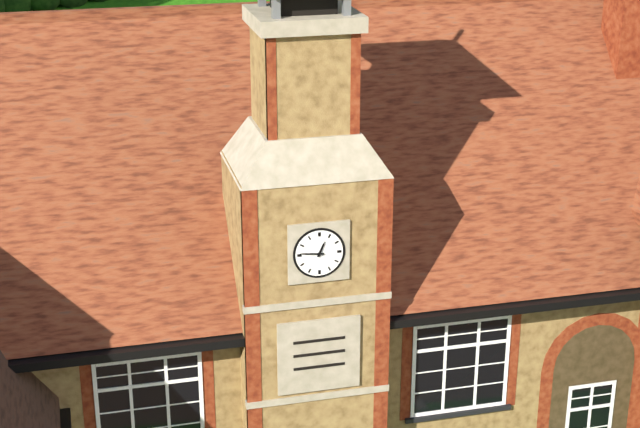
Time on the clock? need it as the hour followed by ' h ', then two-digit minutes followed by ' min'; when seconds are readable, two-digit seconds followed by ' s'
12 h 46 min
